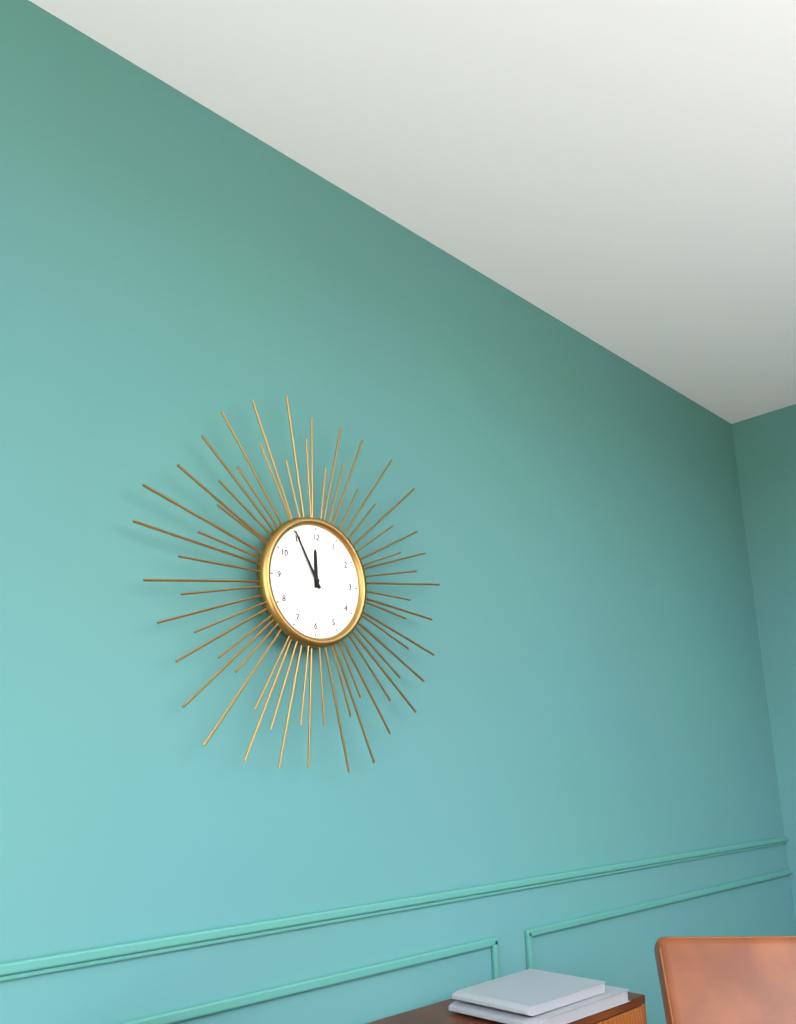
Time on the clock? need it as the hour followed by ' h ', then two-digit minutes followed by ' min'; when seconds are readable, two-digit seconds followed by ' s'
11 h 55 min
